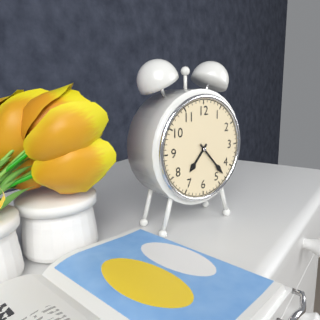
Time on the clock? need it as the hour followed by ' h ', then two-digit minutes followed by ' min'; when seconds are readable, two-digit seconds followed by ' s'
7 h 23 min
